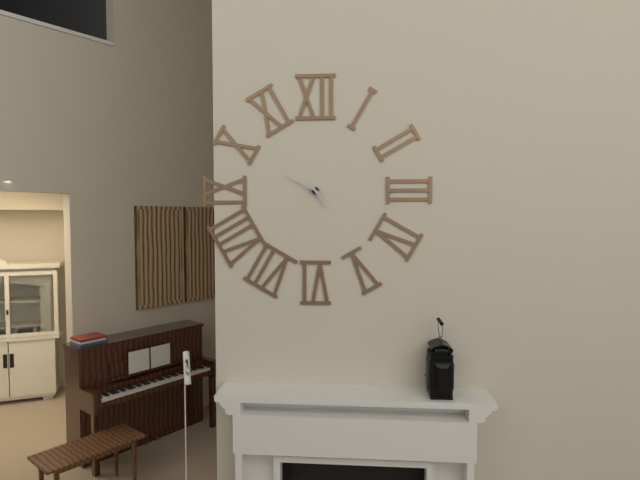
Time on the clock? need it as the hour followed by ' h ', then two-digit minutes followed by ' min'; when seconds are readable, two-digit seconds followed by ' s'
4 h 50 min
